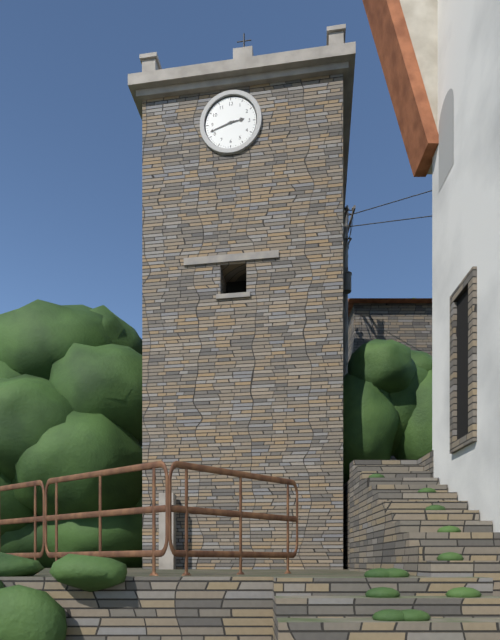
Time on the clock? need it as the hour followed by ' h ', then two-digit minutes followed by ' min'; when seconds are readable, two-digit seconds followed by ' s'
2 h 42 min
